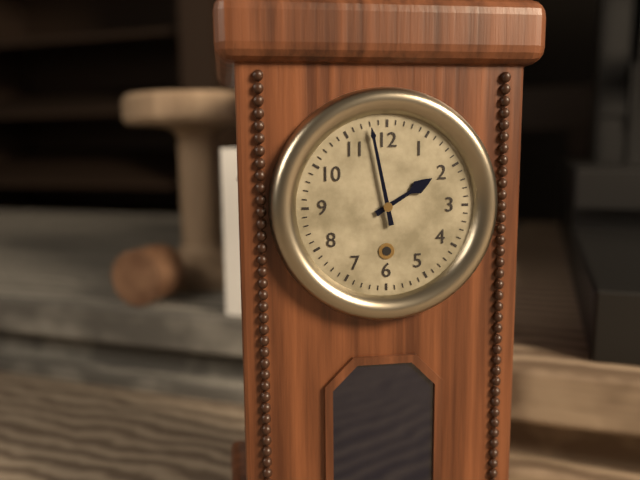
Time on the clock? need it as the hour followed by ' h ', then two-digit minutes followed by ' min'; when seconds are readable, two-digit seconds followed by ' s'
1 h 58 min
